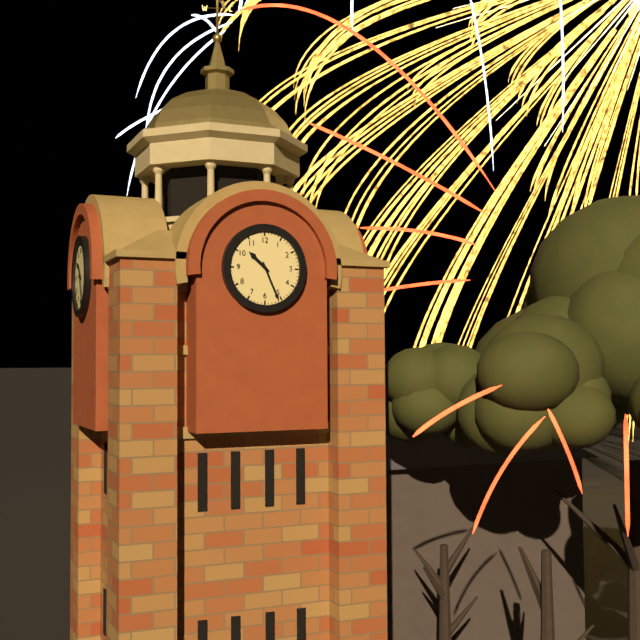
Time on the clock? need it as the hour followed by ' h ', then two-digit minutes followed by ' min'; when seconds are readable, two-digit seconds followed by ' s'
10 h 26 min
